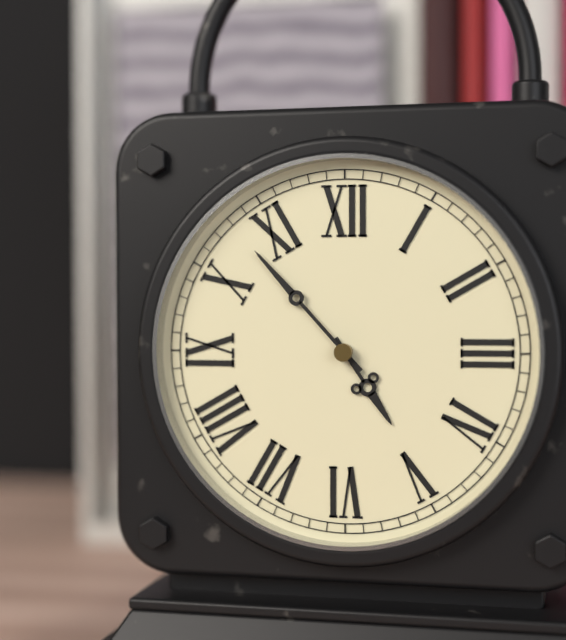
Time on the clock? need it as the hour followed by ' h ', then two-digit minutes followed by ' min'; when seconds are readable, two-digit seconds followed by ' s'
4 h 53 min
